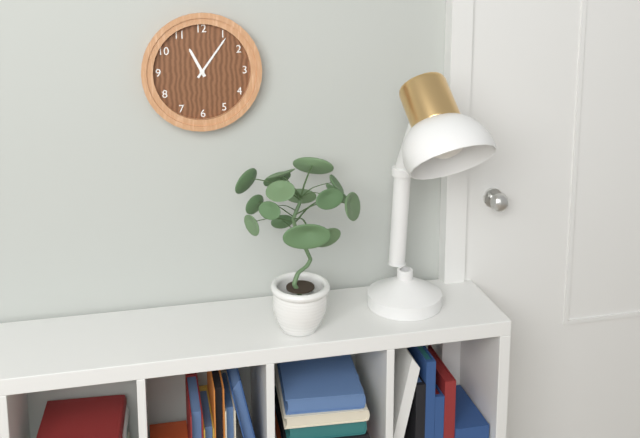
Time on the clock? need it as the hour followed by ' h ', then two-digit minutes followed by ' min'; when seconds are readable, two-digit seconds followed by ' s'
11 h 06 min
